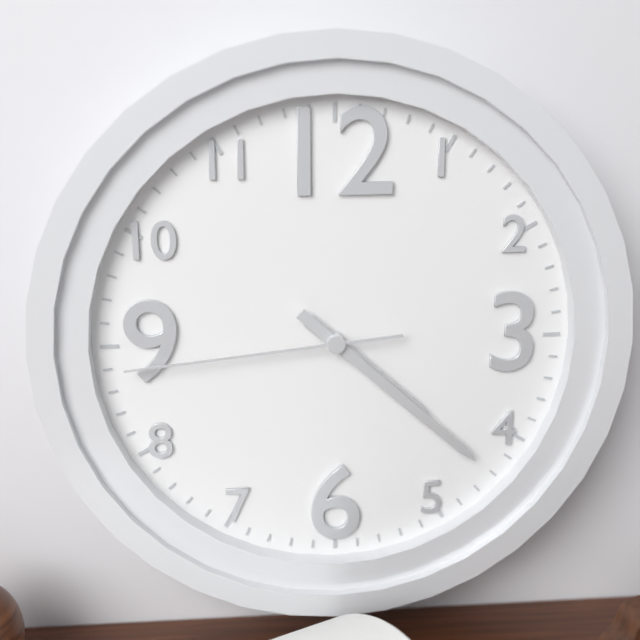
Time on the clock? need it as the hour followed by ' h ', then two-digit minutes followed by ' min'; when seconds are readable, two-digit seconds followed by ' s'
4 h 22 min 44 s
